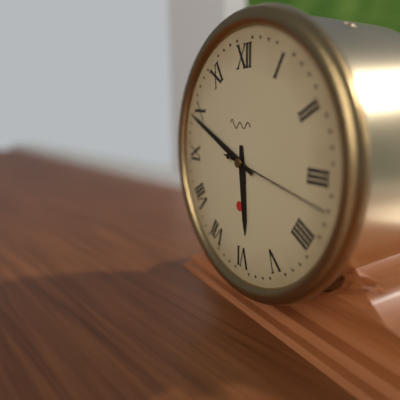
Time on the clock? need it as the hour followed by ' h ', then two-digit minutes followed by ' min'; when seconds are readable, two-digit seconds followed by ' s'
5 h 49 min 17 s
